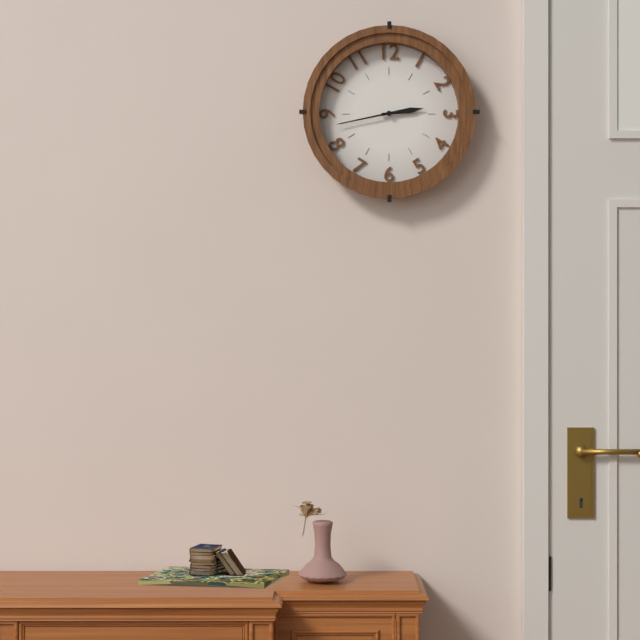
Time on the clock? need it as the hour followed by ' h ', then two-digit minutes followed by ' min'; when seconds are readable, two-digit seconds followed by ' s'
2 h 43 min
